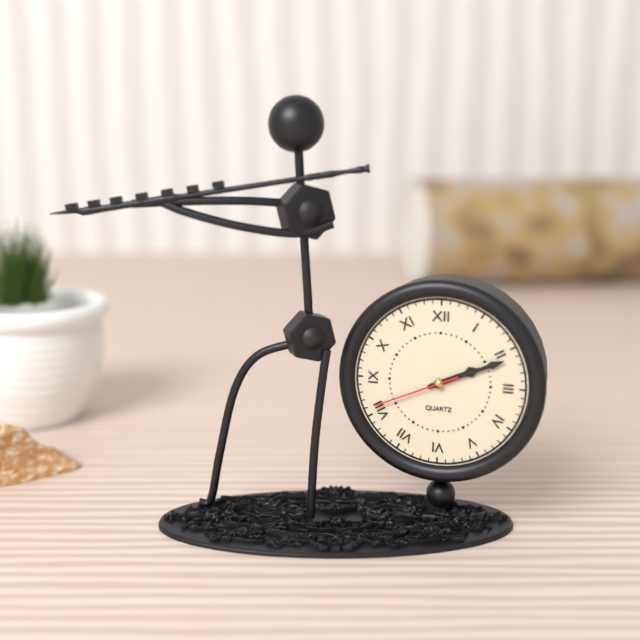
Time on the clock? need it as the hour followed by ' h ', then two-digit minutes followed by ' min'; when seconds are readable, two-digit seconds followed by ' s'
2 h 11 min 41 s
